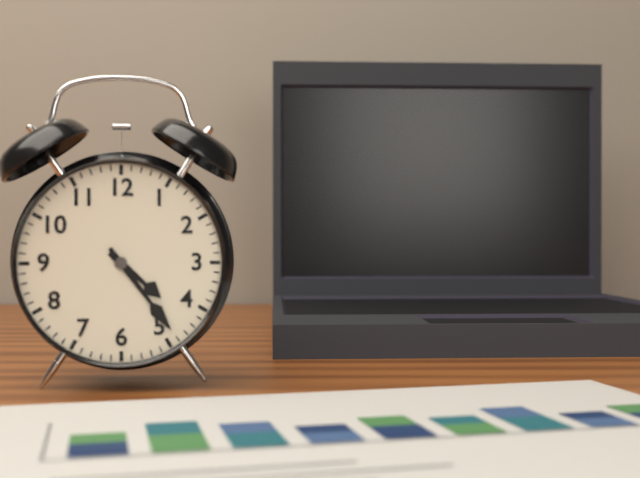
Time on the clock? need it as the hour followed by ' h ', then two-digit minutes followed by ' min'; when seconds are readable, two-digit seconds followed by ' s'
4 h 24 min
